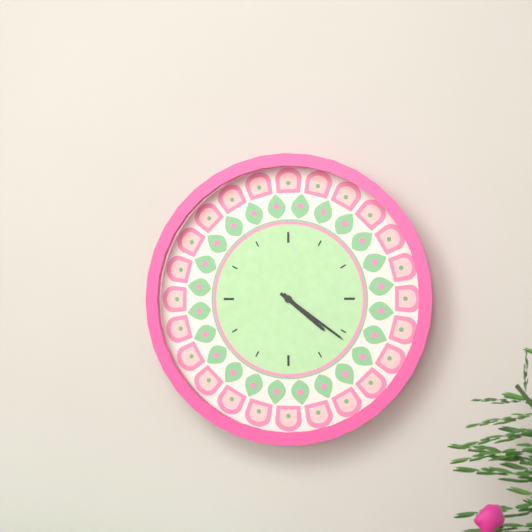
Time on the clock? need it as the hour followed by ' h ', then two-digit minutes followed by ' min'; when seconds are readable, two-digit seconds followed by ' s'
4 h 21 min
